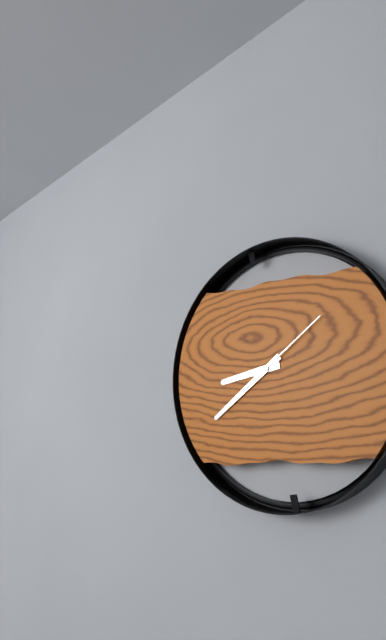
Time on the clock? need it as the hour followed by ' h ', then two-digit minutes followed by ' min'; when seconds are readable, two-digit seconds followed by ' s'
8 h 39 min 09 s
